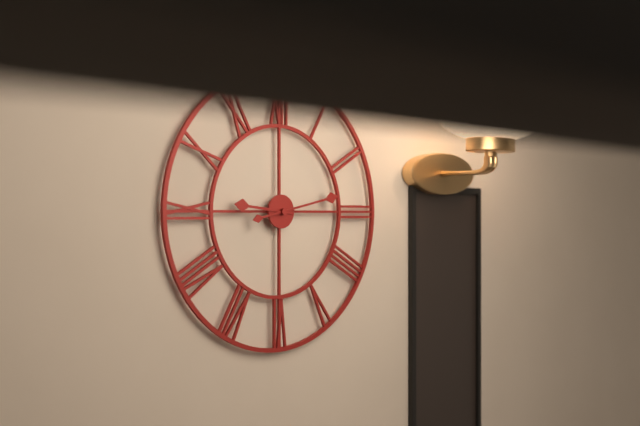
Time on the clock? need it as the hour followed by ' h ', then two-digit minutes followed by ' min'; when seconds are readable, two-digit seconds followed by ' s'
9 h 13 min
